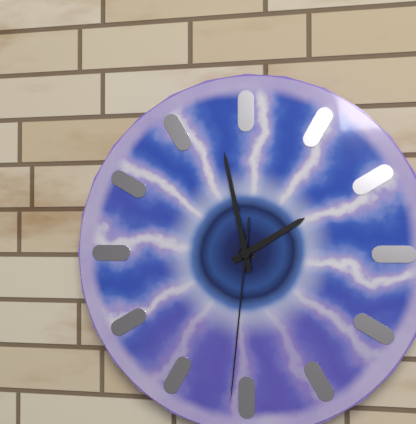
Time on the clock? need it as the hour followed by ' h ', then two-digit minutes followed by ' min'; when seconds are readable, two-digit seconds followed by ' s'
1 h 58 min 31 s
